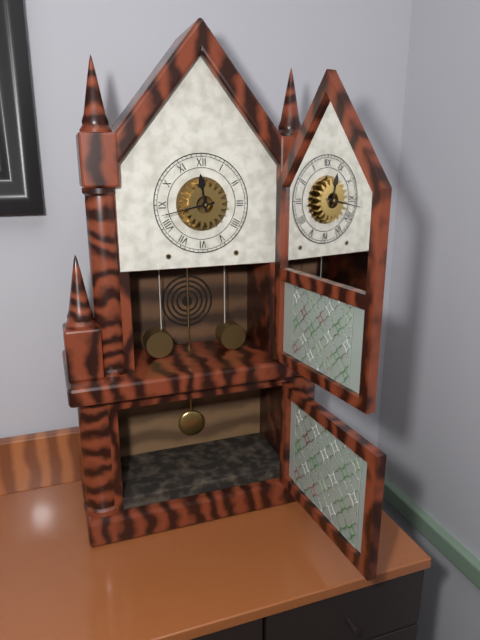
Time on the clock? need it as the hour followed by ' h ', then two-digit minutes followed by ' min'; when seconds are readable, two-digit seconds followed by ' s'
11 h 43 min
